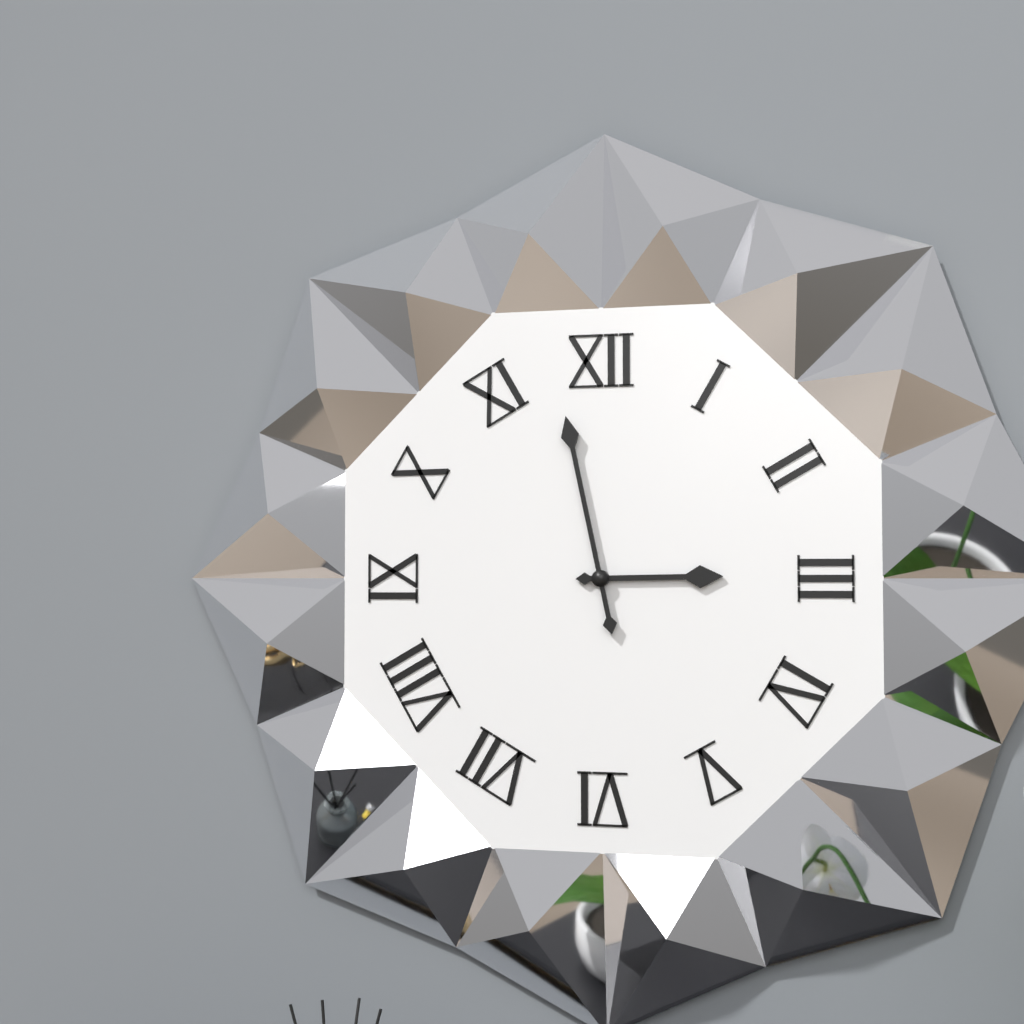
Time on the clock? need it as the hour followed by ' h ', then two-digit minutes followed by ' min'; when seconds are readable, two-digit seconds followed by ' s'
2 h 58 min
